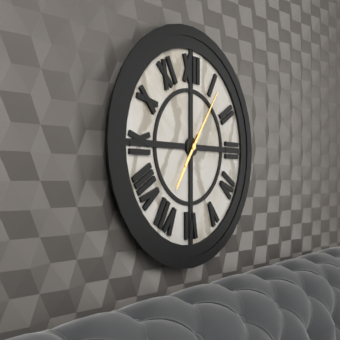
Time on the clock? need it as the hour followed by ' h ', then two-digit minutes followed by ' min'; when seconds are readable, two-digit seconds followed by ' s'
7 h 06 min
